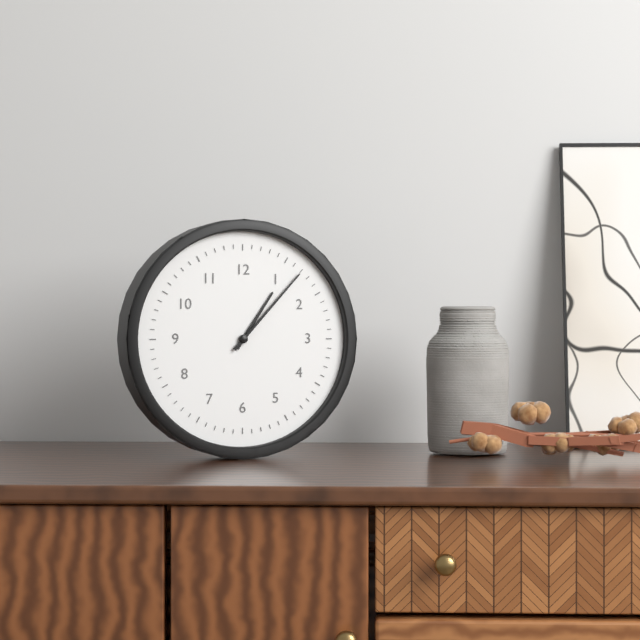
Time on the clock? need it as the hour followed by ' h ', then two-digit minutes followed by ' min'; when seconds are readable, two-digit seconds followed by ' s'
1 h 07 min
